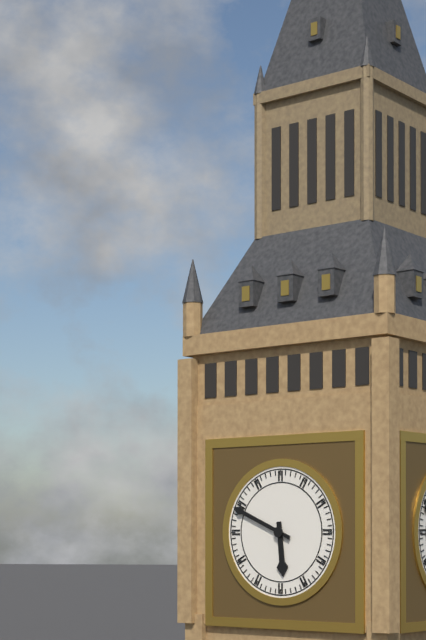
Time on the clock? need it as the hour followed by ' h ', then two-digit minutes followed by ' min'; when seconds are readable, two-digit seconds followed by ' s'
5 h 49 min
